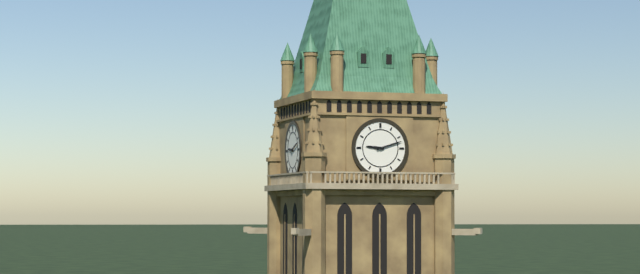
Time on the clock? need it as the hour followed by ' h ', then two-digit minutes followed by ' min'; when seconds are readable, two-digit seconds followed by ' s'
9 h 12 min
